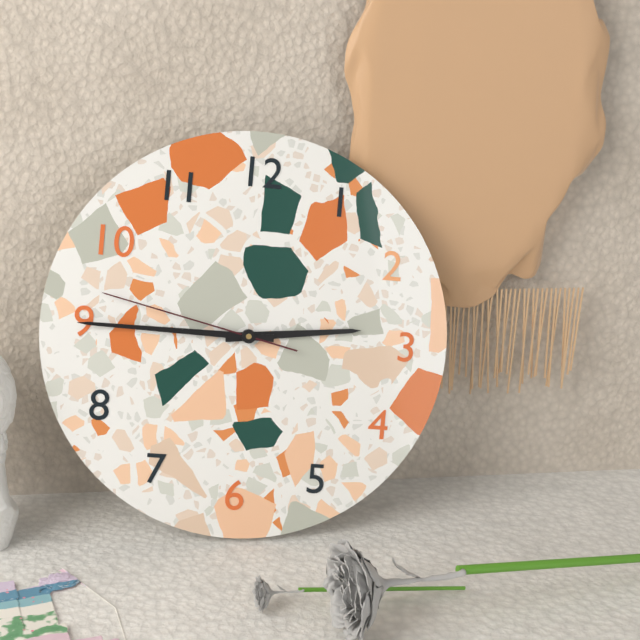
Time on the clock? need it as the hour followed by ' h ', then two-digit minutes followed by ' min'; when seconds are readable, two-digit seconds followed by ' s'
2 h 45 min 47 s
